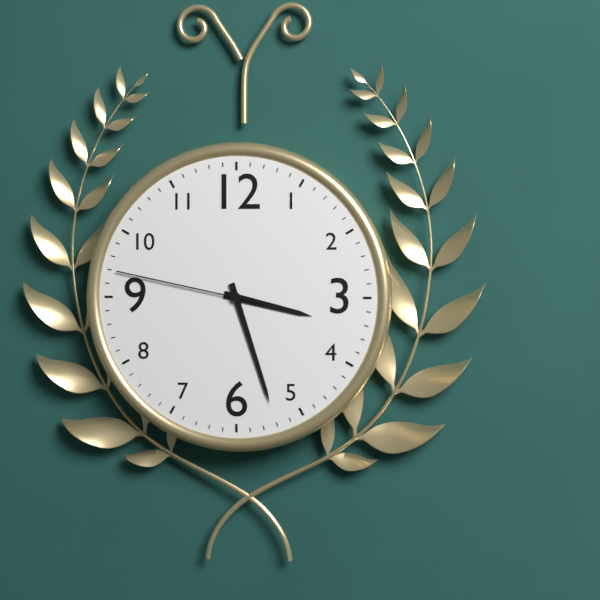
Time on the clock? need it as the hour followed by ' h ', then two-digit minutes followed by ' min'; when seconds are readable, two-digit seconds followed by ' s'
3 h 27 min 47 s
